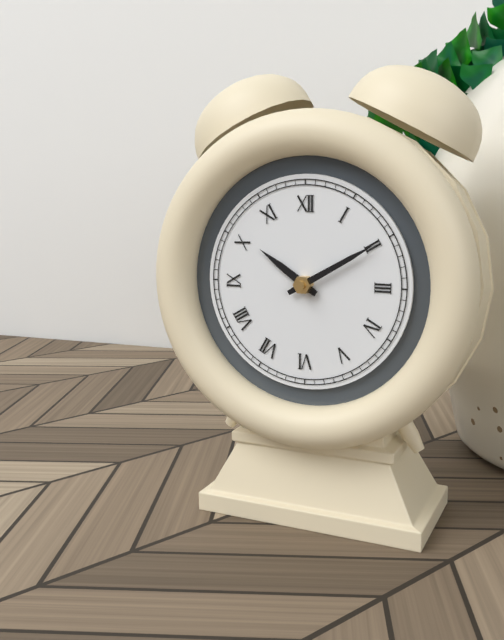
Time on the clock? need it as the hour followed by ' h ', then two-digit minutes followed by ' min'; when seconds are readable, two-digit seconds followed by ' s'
10 h 10 min
